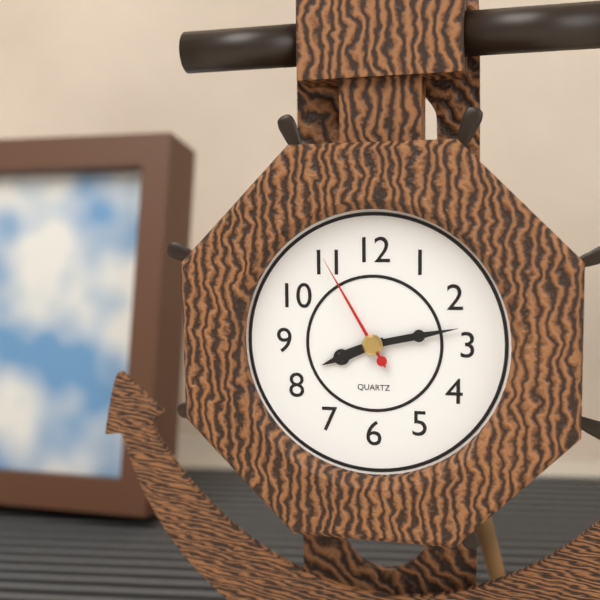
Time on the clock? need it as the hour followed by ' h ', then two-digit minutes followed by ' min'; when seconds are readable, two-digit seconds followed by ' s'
8 h 13 min 55 s
